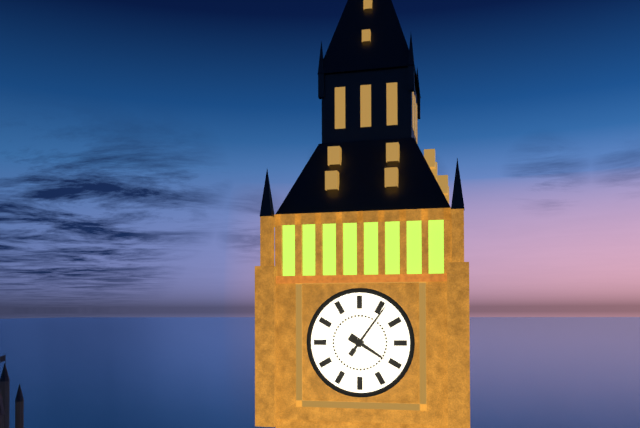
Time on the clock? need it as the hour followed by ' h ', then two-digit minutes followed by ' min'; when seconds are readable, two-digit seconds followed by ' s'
4 h 06 min
